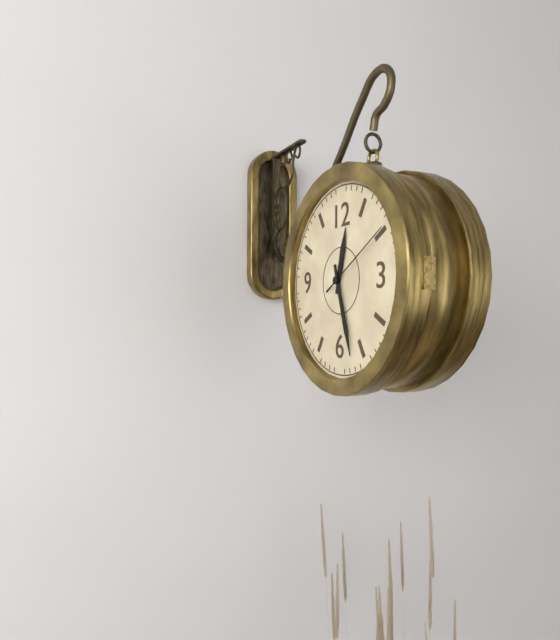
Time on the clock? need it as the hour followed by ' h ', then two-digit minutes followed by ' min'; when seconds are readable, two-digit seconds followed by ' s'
12 h 27 min 10 s
